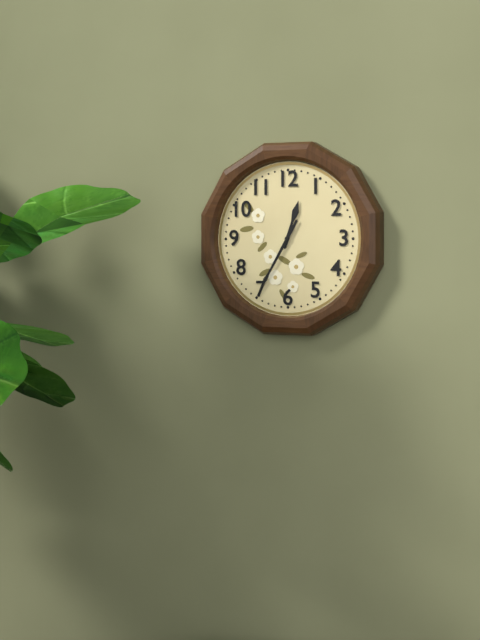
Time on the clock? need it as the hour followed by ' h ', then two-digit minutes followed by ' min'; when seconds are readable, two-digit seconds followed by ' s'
12 h 35 min
